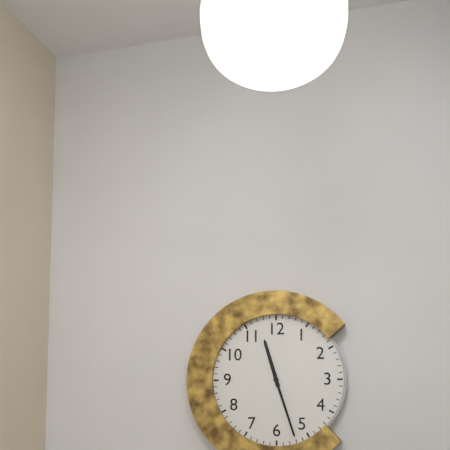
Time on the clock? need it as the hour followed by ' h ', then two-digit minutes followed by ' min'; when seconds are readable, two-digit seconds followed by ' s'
11 h 27 min
